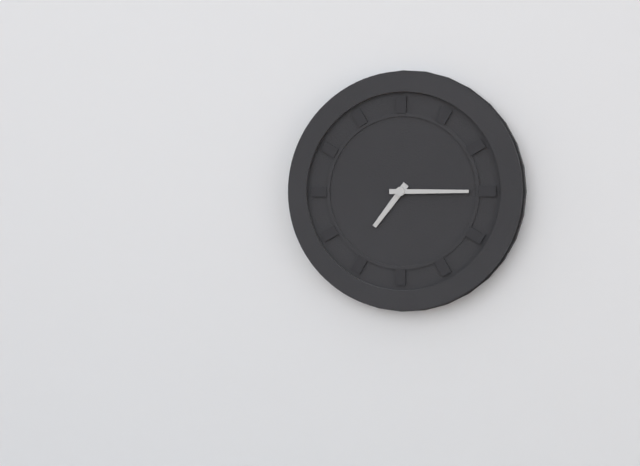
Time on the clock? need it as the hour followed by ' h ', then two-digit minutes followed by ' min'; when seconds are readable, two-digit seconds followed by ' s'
7 h 15 min
